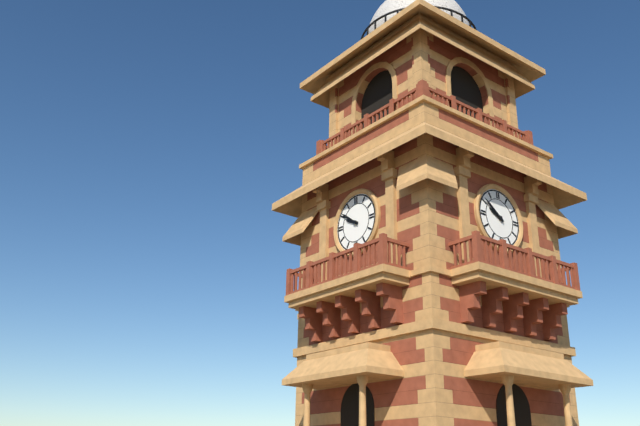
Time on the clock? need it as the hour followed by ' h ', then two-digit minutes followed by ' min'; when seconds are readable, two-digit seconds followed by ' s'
9 h 51 min
